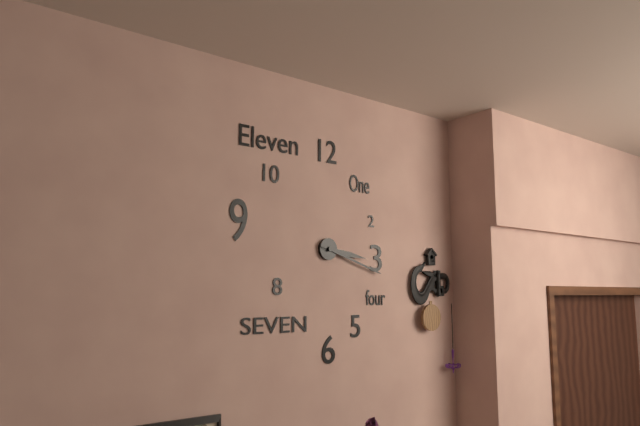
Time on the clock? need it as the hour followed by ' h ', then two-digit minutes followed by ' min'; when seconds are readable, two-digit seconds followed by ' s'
3 h 18 min
